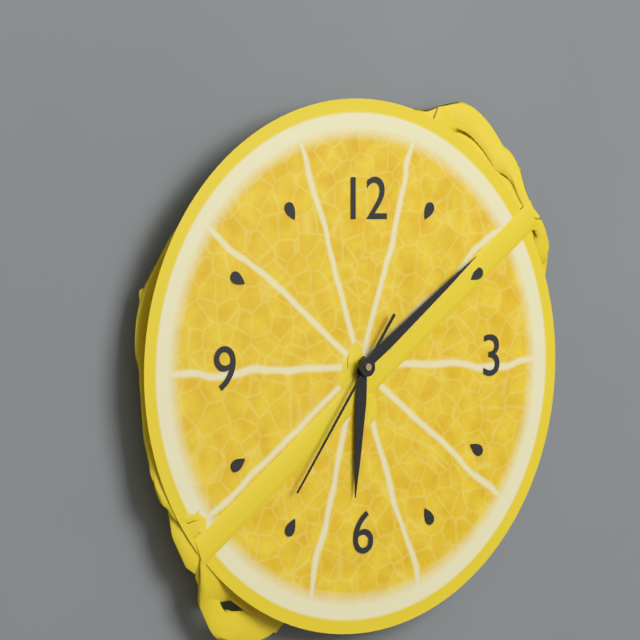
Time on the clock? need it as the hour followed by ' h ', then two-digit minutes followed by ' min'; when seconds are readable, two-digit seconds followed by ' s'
6 h 09 min 36 s
